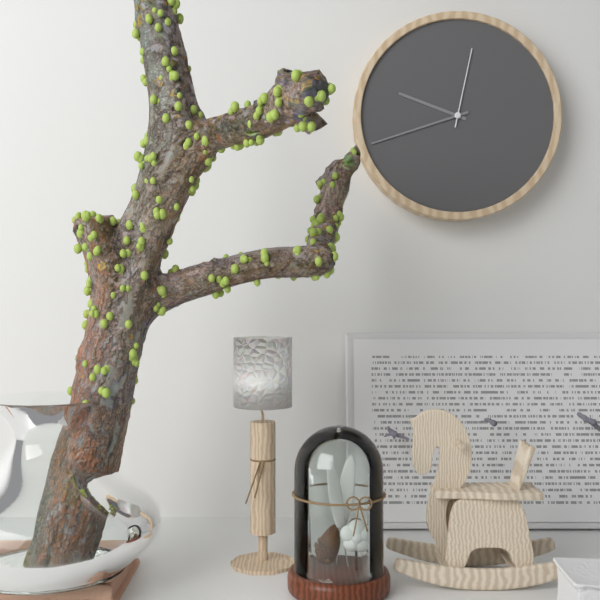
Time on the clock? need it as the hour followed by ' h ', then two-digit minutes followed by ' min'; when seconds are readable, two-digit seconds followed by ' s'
9 h 42 min 02 s
